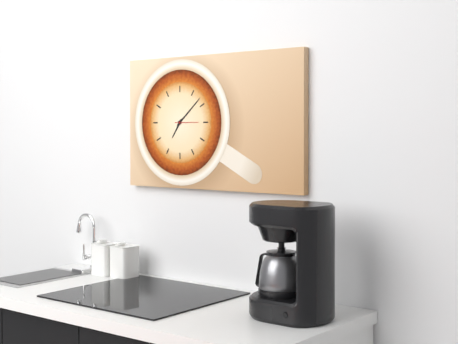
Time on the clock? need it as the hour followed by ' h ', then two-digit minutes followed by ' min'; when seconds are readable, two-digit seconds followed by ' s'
7 h 08 min
